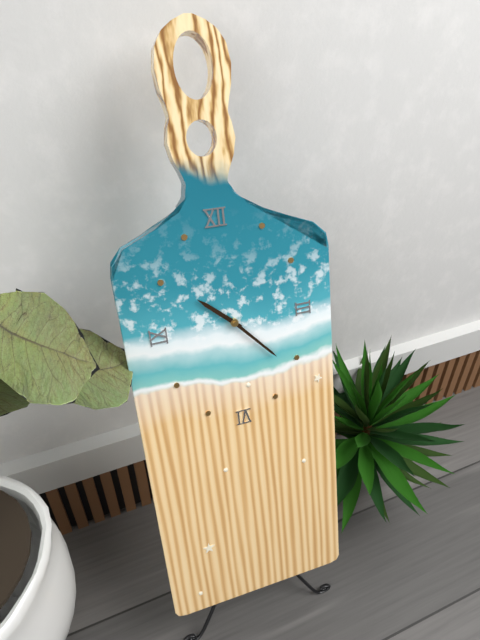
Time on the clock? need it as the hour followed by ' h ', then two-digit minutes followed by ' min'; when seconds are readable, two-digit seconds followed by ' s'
10 h 23 min
